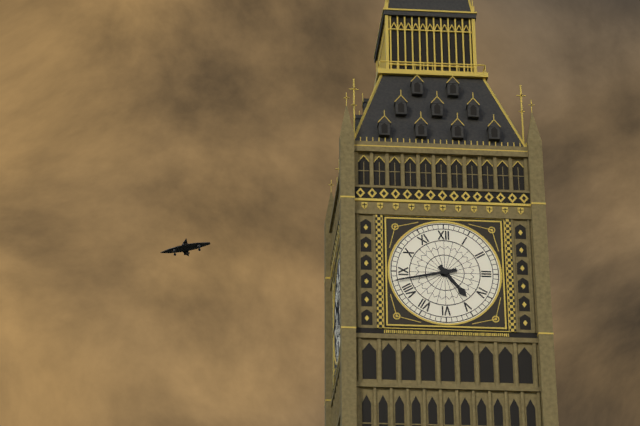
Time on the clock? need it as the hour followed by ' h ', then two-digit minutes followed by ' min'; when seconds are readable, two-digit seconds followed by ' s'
4 h 43 min
